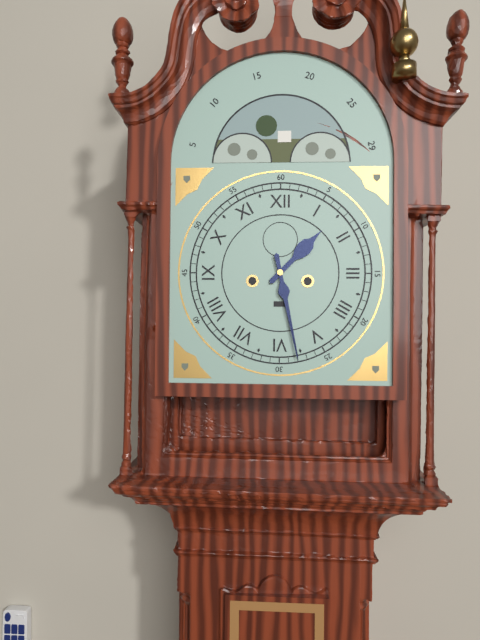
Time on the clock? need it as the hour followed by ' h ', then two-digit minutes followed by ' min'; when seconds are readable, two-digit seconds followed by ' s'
1 h 28 min
